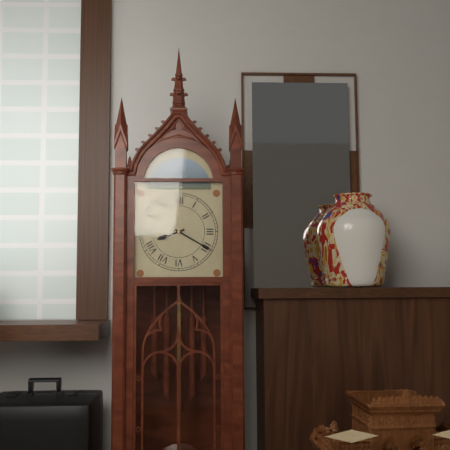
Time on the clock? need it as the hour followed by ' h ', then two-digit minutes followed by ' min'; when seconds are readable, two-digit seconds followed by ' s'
8 h 20 min
